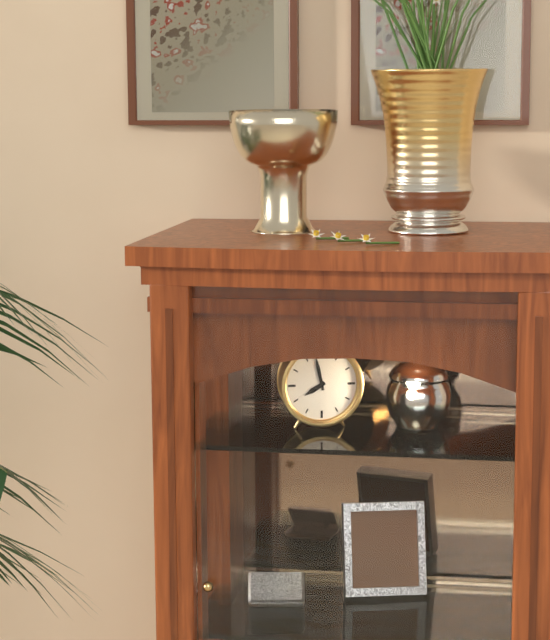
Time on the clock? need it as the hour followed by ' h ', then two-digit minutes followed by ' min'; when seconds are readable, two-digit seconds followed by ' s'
7 h 58 min
